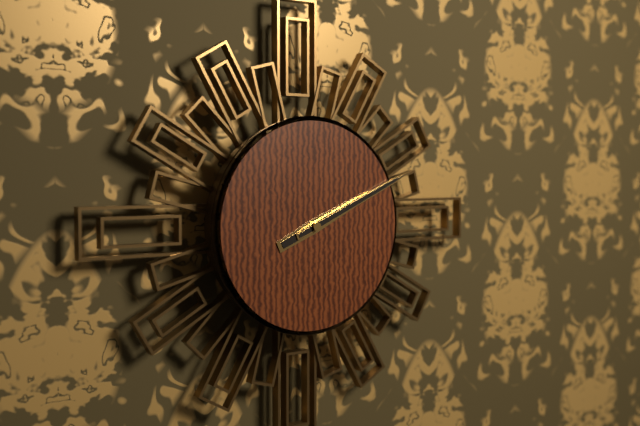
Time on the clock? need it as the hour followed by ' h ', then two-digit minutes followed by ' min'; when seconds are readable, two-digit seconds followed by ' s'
2 h 11 min
